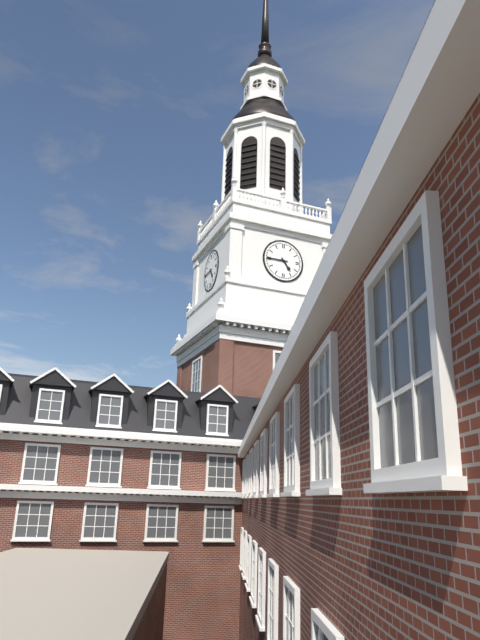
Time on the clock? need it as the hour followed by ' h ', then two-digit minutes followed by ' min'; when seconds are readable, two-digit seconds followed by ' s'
4 h 45 min
